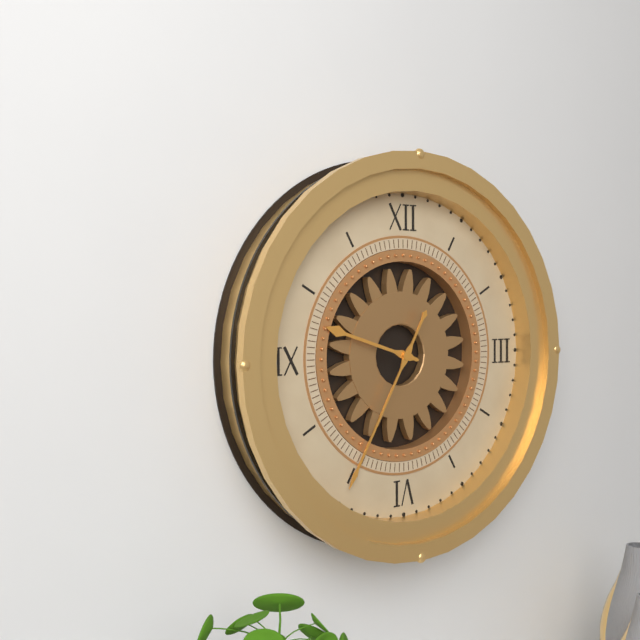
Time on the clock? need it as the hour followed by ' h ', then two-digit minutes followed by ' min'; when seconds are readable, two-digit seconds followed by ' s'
9 h 35 min
